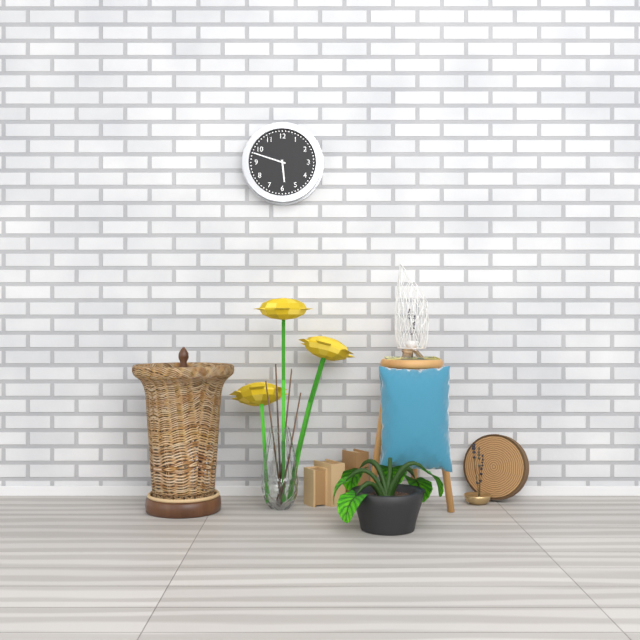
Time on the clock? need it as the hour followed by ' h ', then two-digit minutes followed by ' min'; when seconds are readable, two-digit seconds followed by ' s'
5 h 48 min
